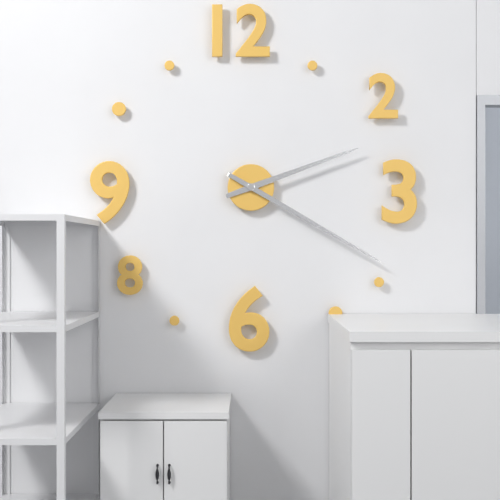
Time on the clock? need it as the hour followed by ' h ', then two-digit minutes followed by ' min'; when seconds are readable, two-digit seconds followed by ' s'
2 h 20 min
